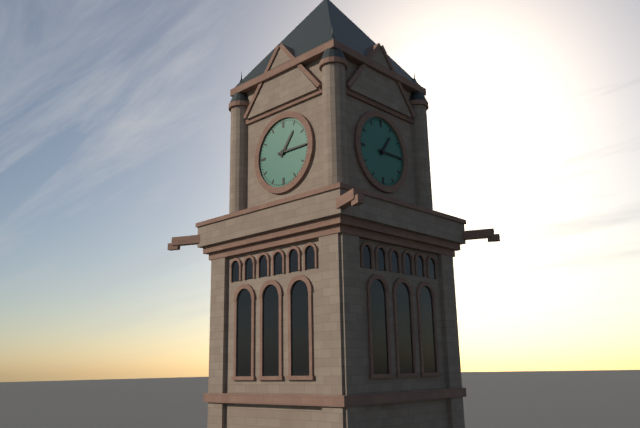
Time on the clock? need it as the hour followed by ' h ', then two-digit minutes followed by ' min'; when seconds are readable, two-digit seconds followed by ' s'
1 h 15 min
